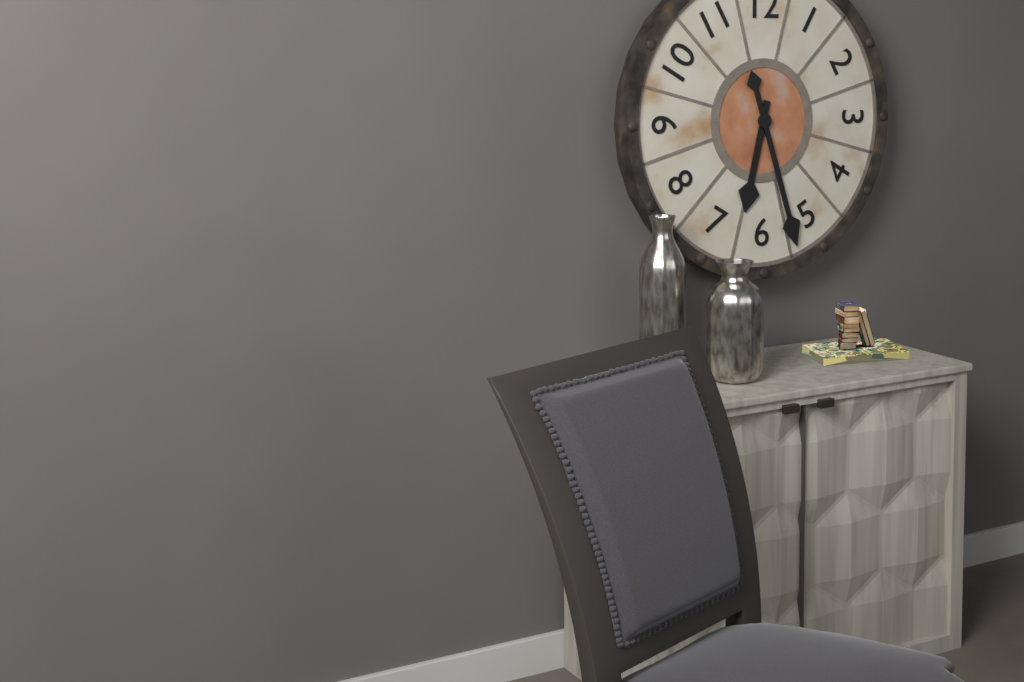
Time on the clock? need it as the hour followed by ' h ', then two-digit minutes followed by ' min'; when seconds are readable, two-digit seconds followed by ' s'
6 h 27 min
